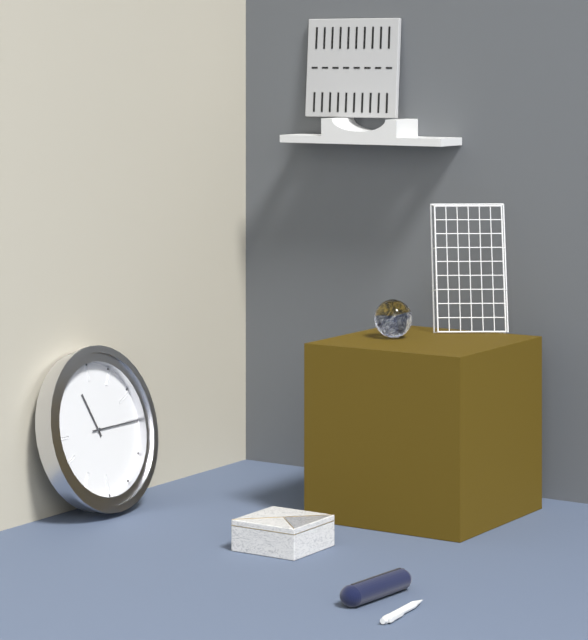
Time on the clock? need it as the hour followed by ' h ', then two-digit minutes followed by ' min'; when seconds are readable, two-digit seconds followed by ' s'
11 h 15 min
